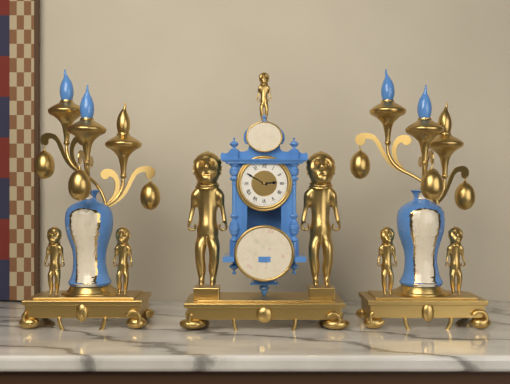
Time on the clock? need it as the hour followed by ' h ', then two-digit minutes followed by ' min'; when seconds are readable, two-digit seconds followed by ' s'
2 h 50 min
